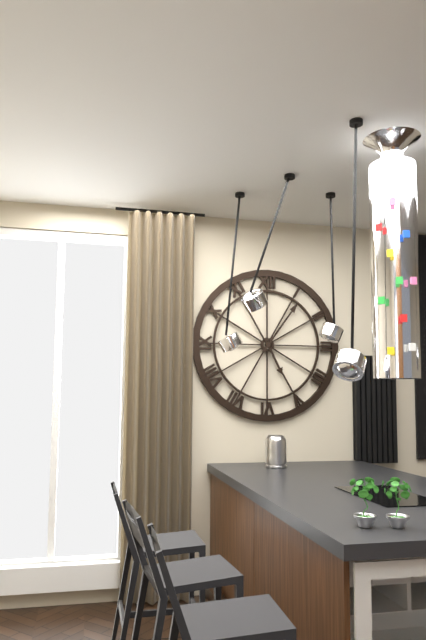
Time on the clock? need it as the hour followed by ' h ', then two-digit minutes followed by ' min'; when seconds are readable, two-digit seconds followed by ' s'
5 h 06 min
